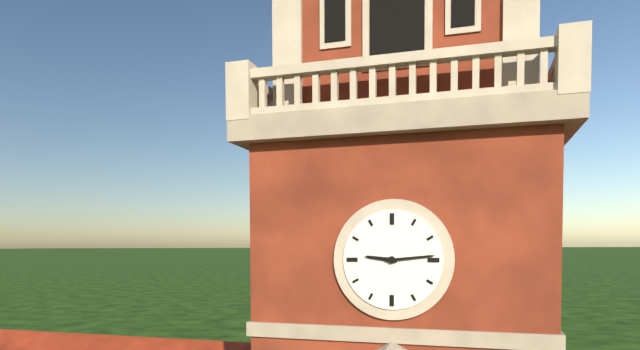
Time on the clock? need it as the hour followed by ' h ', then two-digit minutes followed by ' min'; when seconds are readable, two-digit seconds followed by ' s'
9 h 14 min
